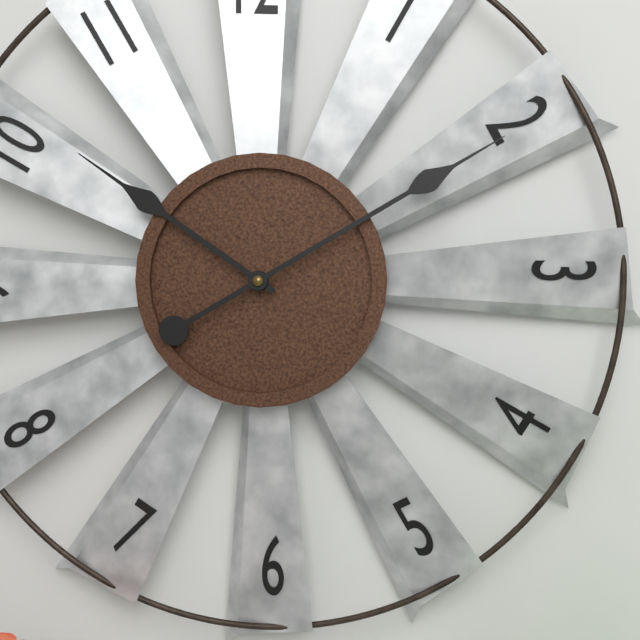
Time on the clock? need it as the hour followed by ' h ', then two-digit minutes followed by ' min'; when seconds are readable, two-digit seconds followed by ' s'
10 h 10 min
